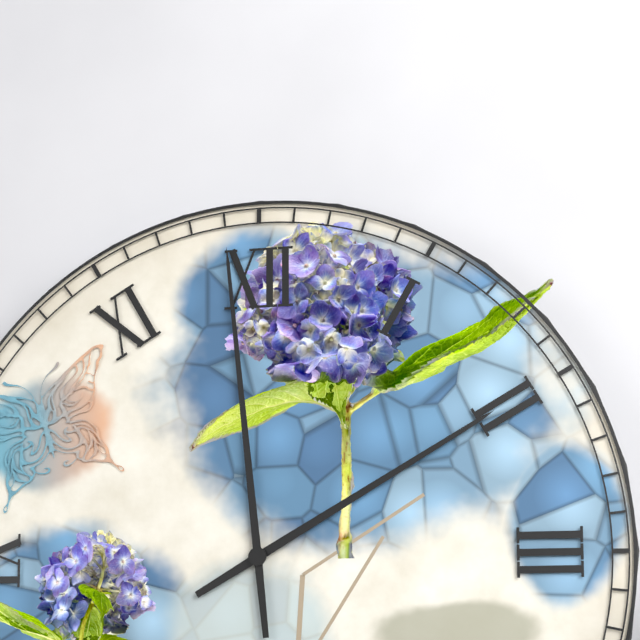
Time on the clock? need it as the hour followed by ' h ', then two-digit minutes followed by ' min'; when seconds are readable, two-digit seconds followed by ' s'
1 h 59 min
